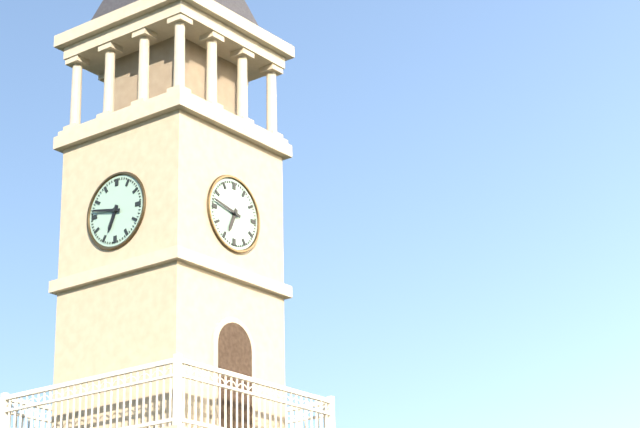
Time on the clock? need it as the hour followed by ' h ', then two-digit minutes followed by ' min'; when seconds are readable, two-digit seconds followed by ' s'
6 h 47 min
